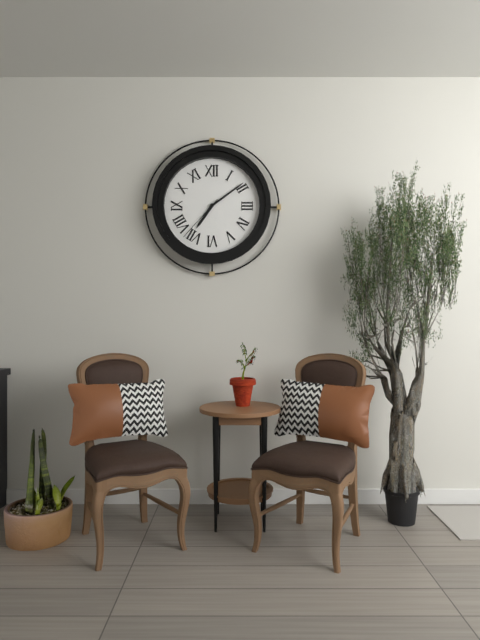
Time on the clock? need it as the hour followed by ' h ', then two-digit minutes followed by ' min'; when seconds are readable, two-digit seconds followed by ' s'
7 h 09 min 37 s
